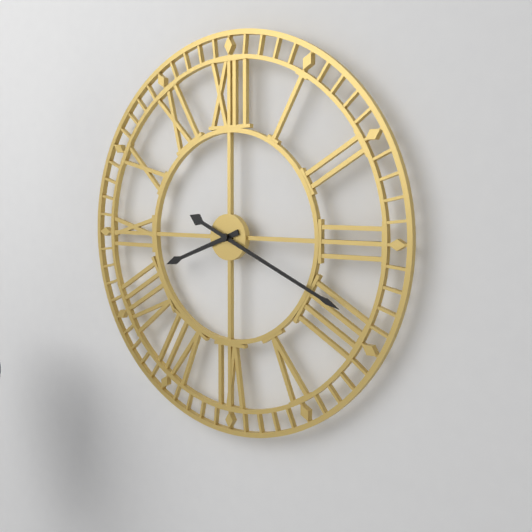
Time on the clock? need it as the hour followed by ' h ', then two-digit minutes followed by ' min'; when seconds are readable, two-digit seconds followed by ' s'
8 h 19 min
